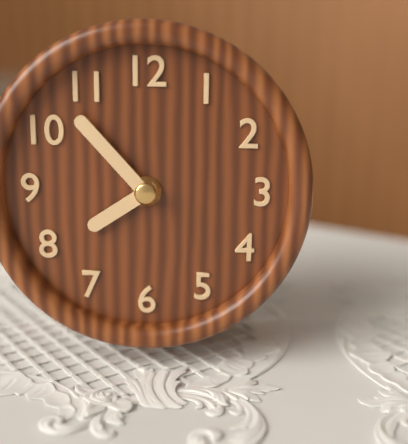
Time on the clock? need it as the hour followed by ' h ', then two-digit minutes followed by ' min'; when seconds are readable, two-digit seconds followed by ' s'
7 h 53 min
